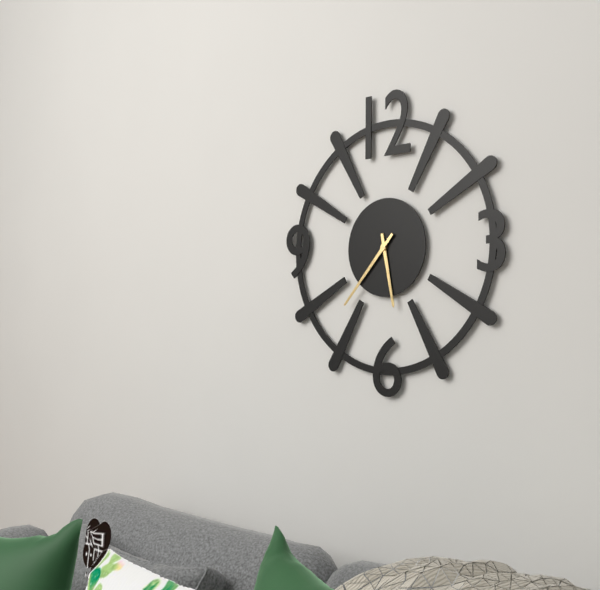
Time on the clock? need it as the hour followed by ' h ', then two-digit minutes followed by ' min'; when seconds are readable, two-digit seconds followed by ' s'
5 h 37 min
